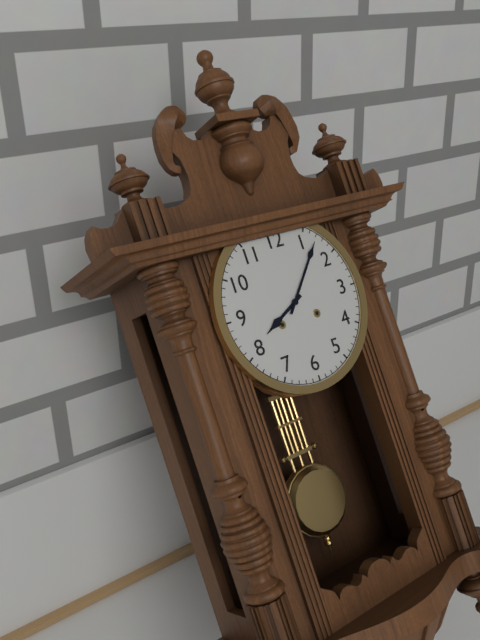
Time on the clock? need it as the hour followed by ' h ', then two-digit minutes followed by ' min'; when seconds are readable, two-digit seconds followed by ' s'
8 h 07 min
